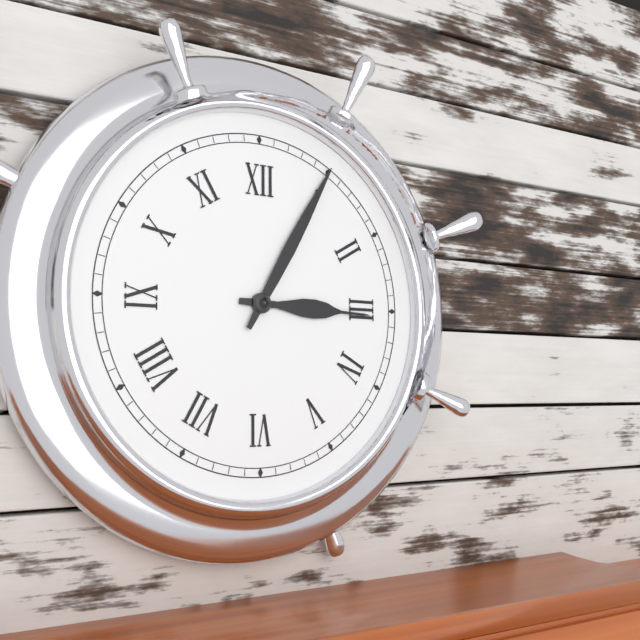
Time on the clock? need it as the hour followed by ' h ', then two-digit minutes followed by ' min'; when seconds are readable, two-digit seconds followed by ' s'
3 h 05 min
